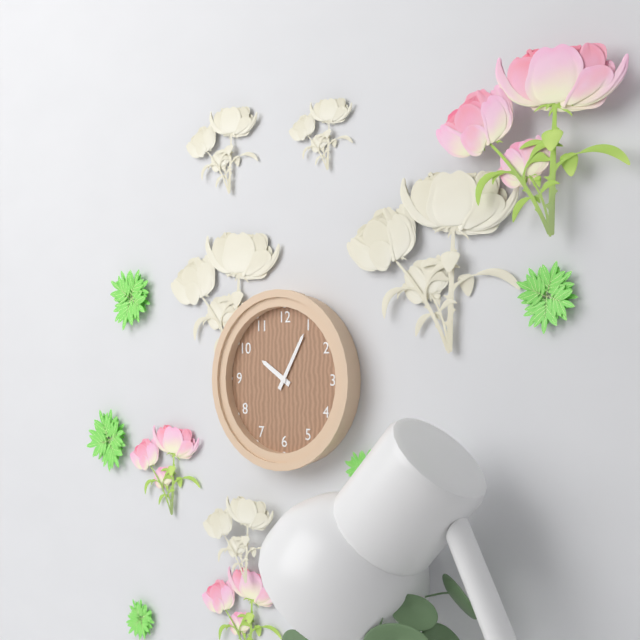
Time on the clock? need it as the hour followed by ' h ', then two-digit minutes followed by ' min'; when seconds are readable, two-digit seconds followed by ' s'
10 h 05 min
